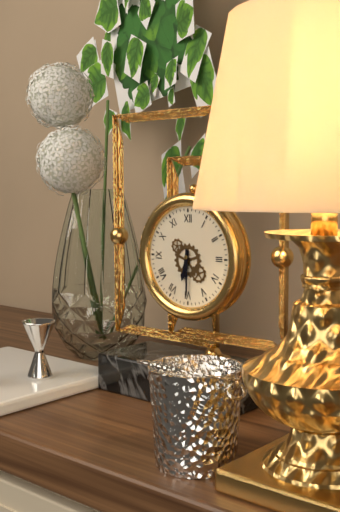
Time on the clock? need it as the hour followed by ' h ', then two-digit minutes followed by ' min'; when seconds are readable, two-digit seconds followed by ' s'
6 h 30 min
